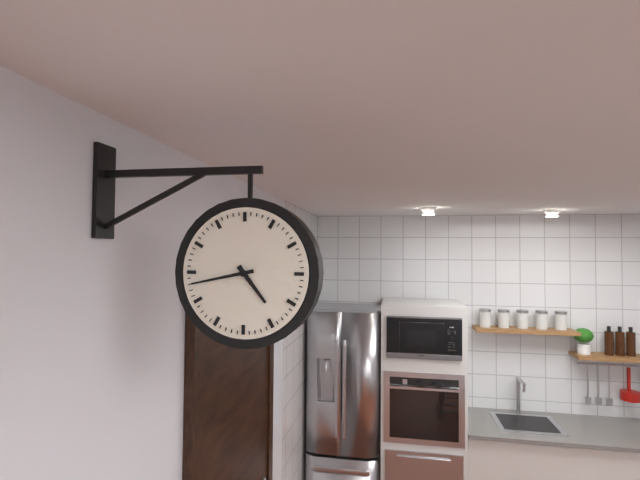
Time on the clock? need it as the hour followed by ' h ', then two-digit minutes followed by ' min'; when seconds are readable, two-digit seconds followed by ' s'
4 h 43 min
